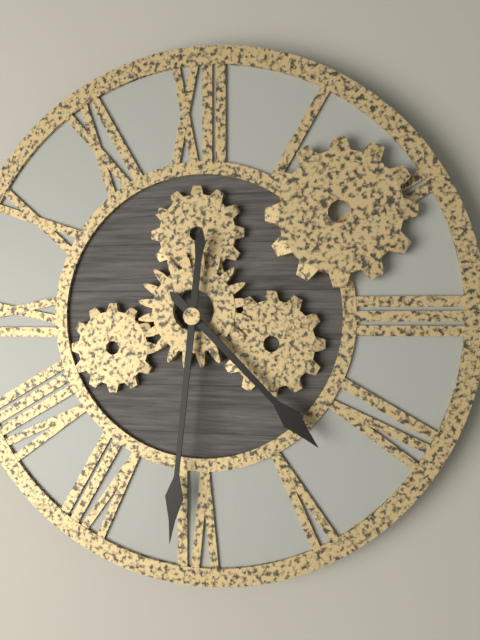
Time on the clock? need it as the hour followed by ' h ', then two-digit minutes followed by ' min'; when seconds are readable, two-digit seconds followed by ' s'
4 h 31 min
